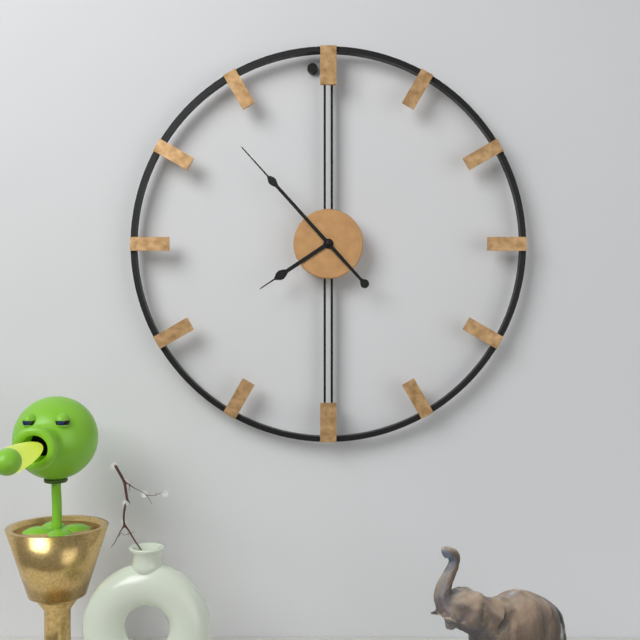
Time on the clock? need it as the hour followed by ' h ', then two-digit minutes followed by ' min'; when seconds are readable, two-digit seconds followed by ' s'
7 h 53 min
